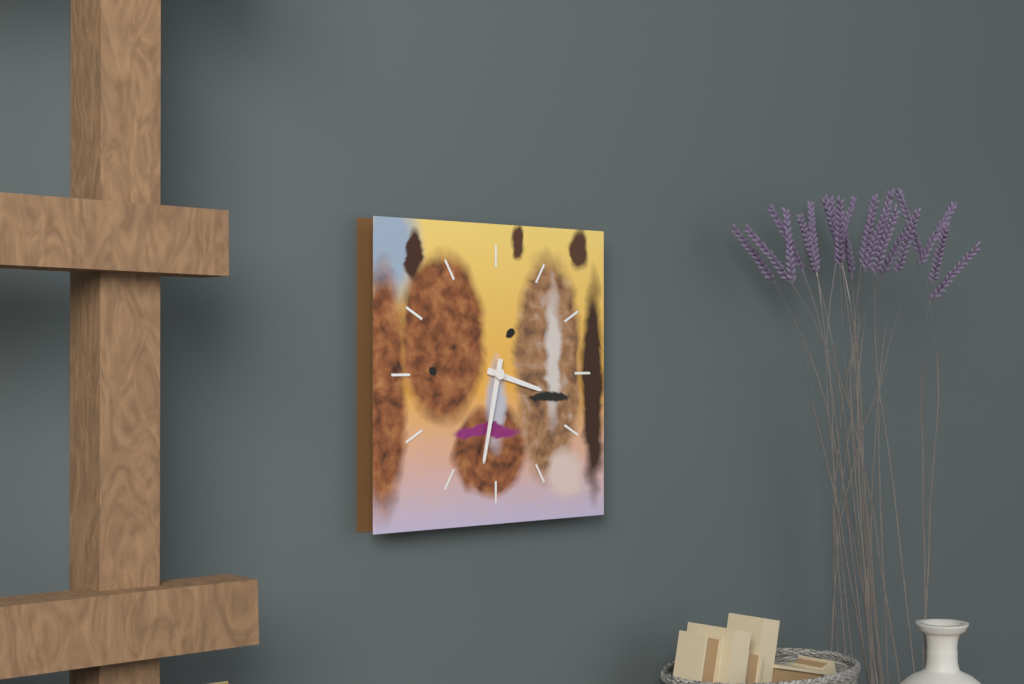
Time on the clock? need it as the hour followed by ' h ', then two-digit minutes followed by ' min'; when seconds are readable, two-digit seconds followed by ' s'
3 h 32 min
